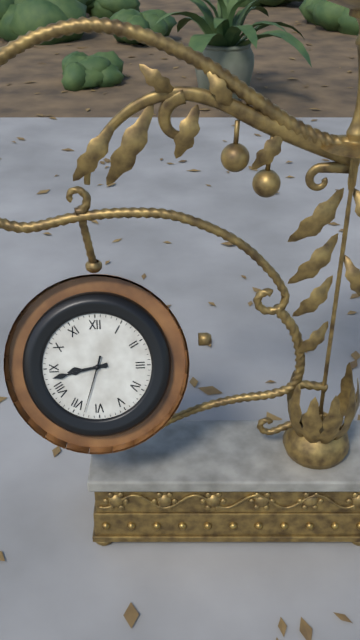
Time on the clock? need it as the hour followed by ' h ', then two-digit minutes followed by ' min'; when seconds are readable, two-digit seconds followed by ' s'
8 h 43 min 33 s
